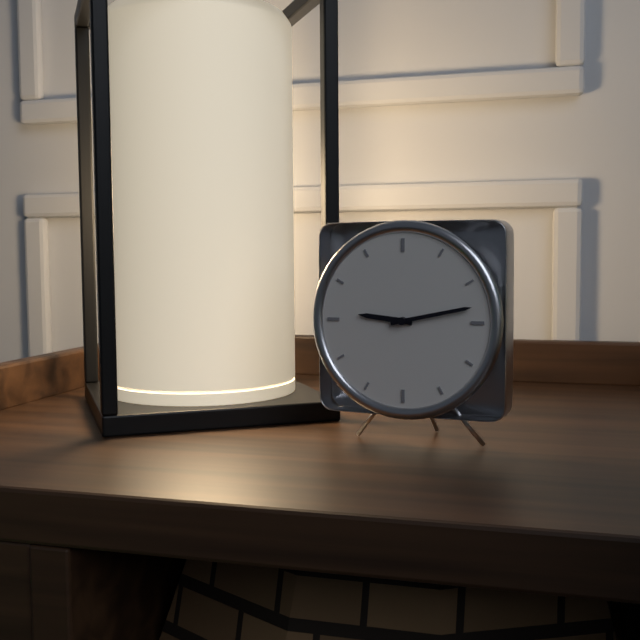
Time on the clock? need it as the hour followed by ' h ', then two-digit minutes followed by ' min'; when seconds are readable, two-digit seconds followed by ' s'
9 h 13 min
